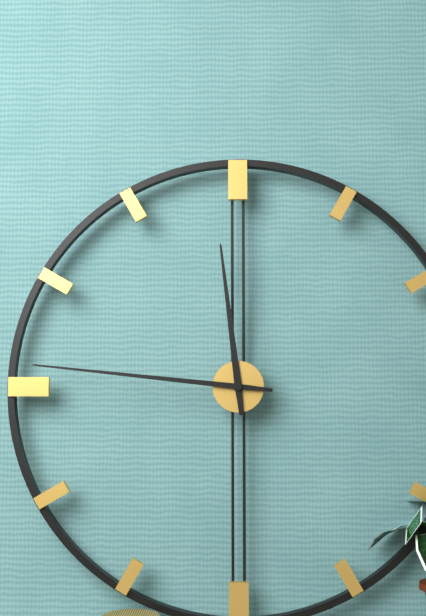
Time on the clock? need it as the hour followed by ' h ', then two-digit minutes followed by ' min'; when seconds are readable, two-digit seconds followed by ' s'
11 h 46 min
